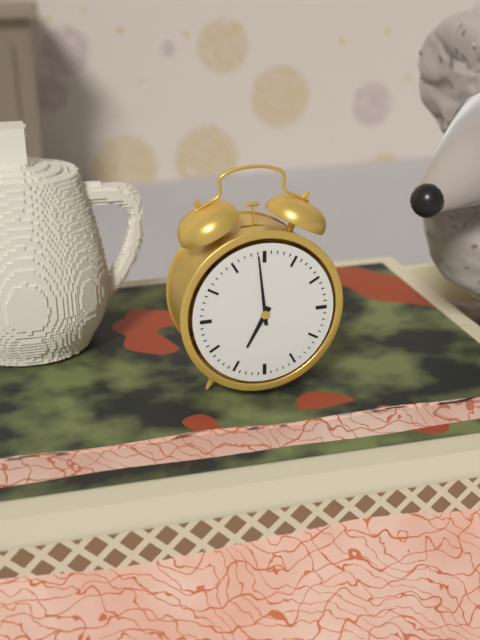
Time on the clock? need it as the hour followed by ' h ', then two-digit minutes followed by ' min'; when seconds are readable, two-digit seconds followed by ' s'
6 h 59 min
